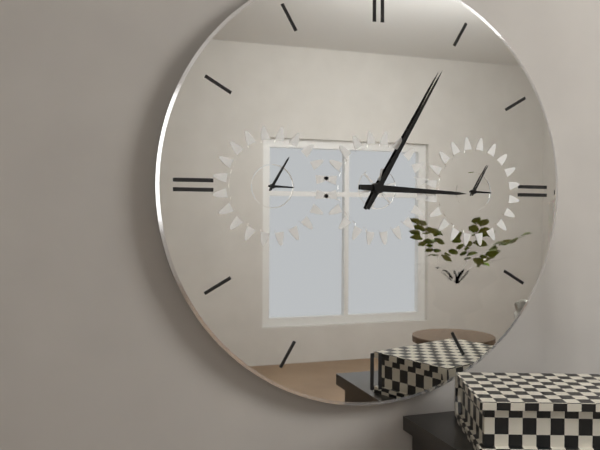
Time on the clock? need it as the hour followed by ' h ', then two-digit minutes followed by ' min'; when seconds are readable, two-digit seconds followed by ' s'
3 h 05 min
